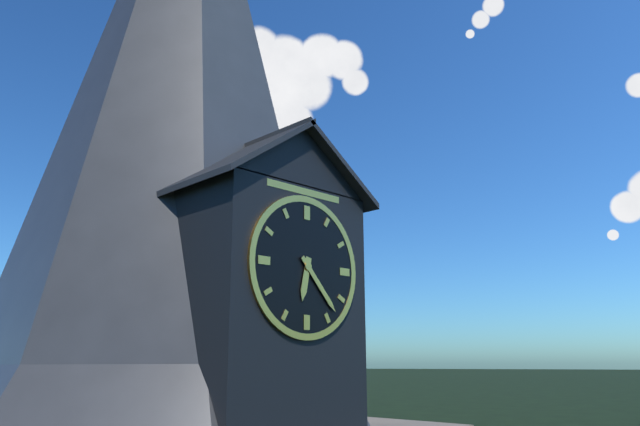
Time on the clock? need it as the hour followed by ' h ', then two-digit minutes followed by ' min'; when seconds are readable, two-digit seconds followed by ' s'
6 h 23 min
